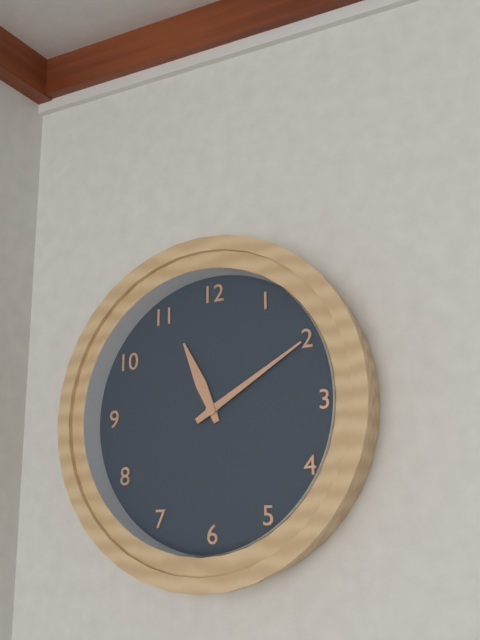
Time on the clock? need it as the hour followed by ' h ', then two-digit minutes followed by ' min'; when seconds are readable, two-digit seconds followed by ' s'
11 h 10 min
